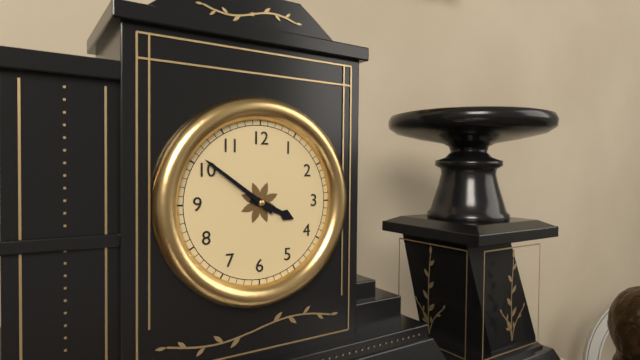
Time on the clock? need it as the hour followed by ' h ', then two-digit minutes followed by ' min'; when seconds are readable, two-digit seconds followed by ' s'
3 h 51 min
